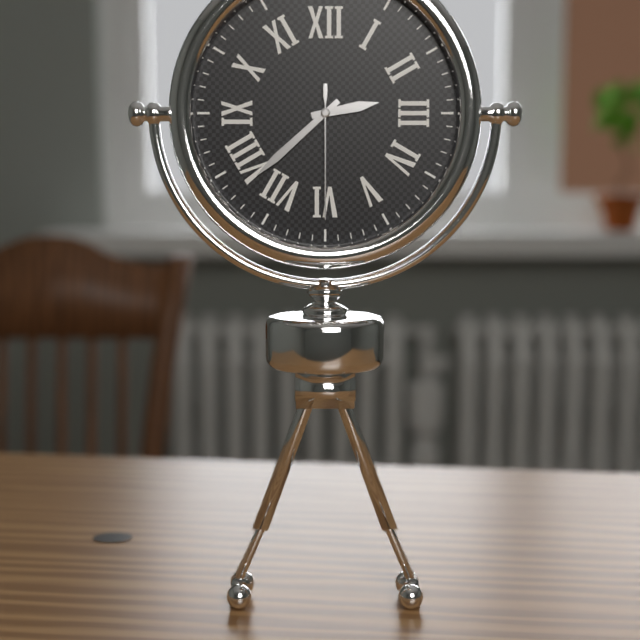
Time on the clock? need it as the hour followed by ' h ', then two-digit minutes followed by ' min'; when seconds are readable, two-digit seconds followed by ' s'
2 h 38 min 30 s
